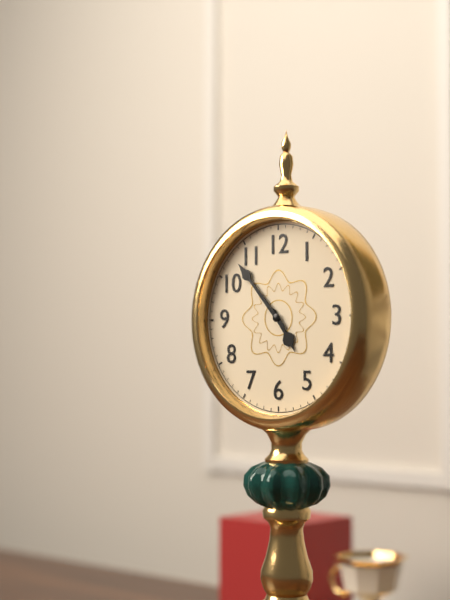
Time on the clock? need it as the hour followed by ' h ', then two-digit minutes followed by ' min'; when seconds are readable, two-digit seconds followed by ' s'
4 h 53 min
